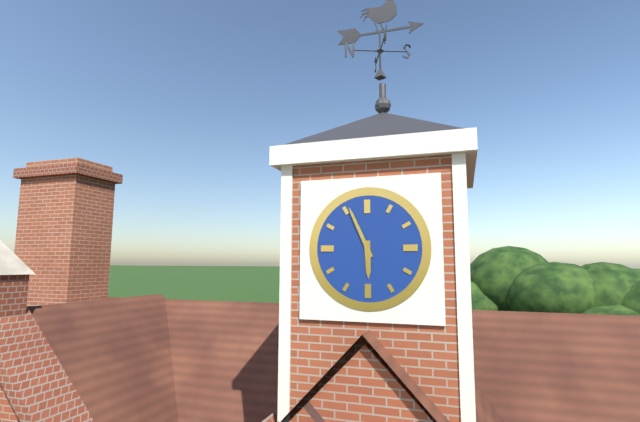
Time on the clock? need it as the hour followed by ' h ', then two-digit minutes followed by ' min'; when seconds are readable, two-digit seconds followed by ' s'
5 h 56 min
